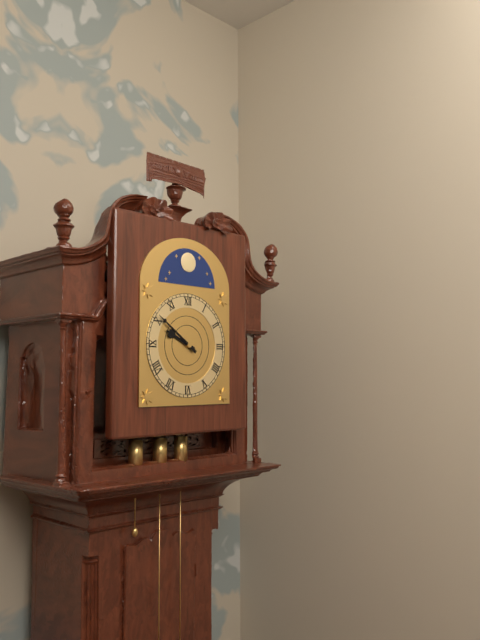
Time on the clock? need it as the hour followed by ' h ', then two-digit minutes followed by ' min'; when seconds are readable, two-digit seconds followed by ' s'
9 h 51 min
